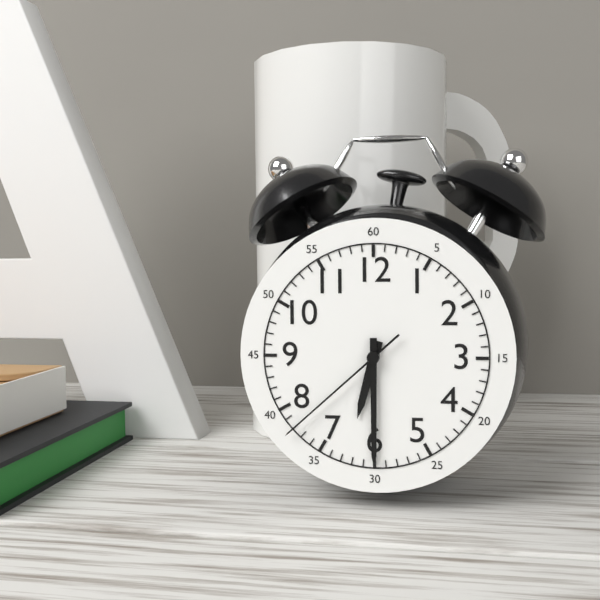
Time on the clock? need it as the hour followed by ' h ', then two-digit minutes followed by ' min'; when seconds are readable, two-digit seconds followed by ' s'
6 h 30 min 38 s
